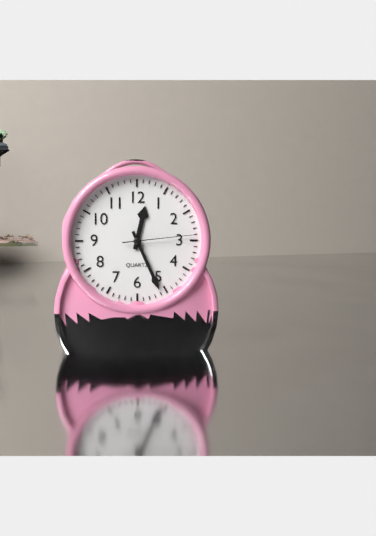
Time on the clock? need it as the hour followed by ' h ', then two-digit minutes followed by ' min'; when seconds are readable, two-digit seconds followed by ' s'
12 h 26 min 14 s
